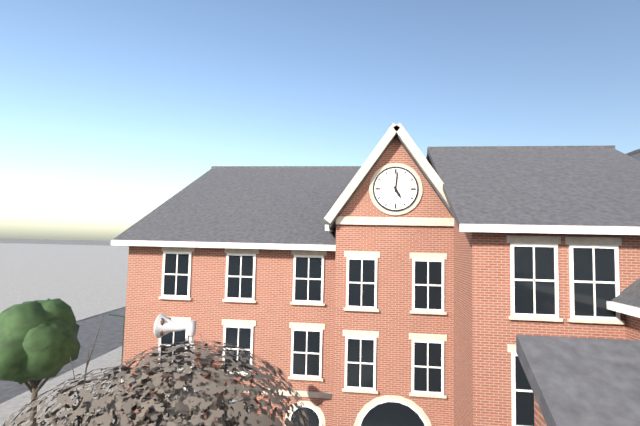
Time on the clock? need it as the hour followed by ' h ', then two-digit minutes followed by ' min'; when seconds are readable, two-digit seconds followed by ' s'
5 h 01 min
